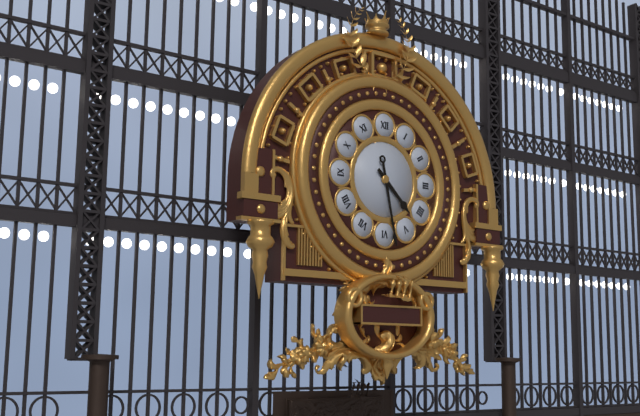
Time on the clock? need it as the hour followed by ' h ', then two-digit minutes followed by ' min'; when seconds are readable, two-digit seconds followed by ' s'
4 h 28 min
